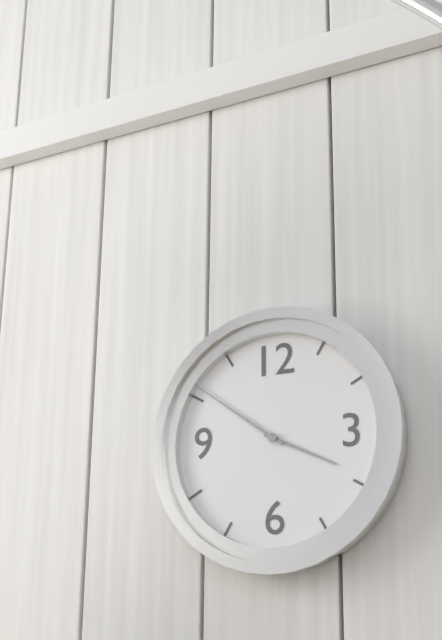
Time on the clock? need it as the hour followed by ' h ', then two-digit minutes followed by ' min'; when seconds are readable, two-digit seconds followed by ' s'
3 h 51 min
